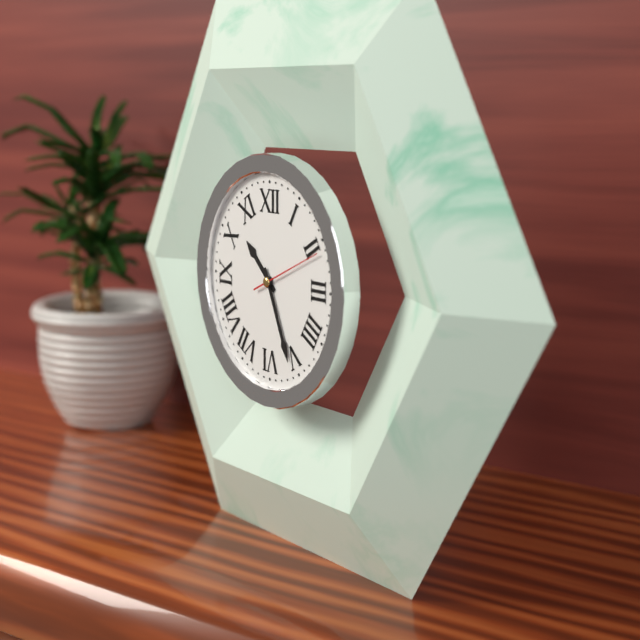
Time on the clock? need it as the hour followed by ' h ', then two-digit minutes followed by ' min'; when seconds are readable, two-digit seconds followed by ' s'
10 h 26 min 11 s
